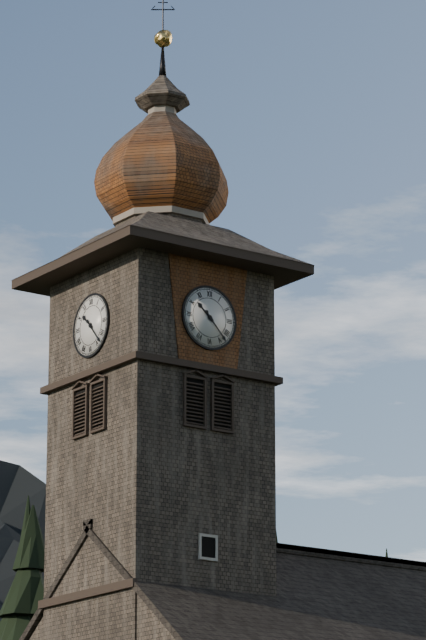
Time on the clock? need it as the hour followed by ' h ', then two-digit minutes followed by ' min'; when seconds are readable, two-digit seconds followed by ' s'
10 h 23 min
